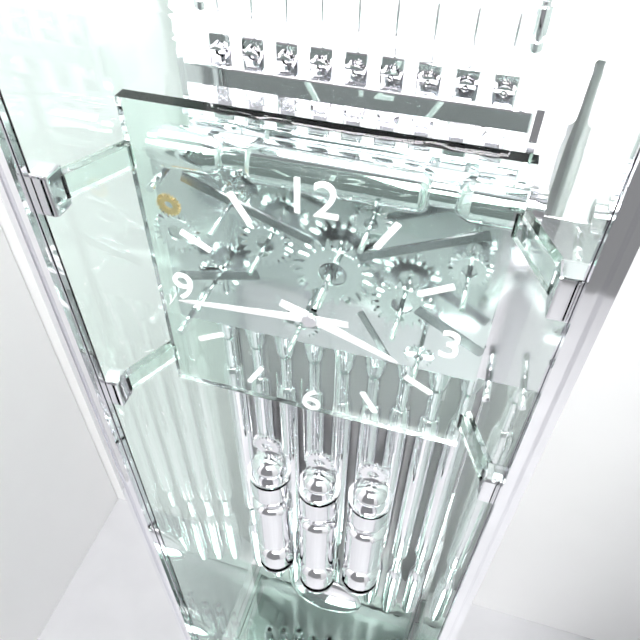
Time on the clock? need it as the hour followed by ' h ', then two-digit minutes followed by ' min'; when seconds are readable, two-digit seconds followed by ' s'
3 h 44 min
